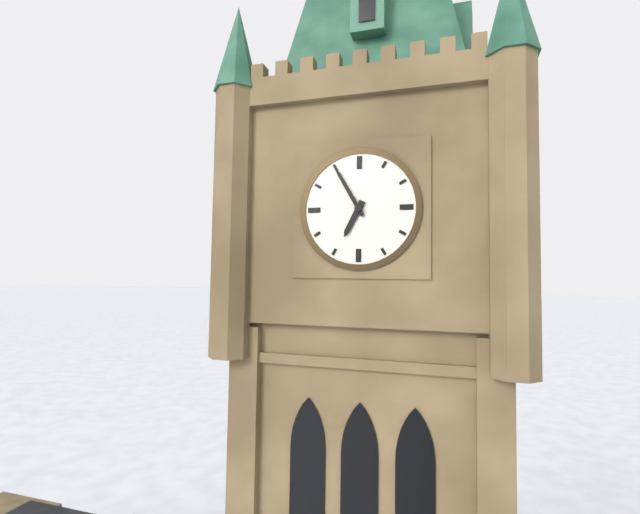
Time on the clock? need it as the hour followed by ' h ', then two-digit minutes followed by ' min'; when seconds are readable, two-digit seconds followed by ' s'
6 h 55 min
